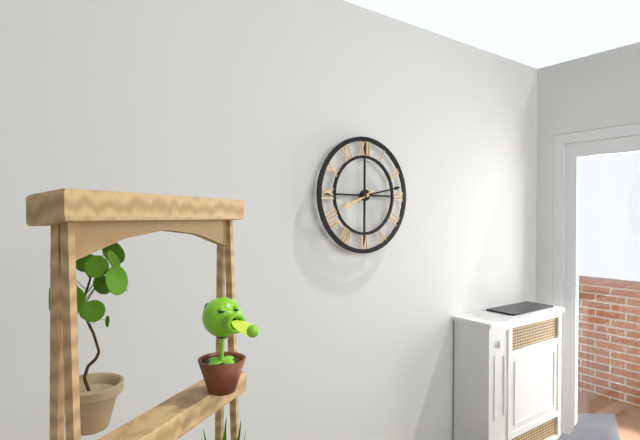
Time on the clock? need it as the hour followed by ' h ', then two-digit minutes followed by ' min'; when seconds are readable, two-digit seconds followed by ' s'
8 h 13 min
